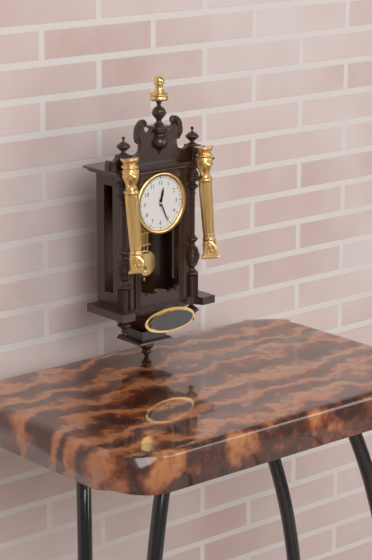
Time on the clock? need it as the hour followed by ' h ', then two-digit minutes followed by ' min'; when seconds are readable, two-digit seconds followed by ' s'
12 h 26 min
